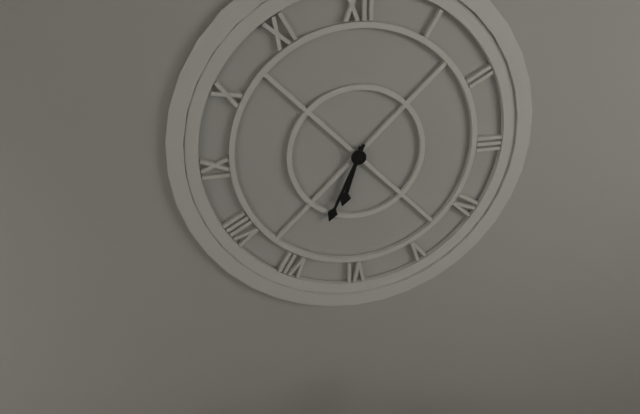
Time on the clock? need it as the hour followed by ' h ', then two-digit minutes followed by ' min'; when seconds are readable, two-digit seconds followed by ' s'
6 h 34 min
